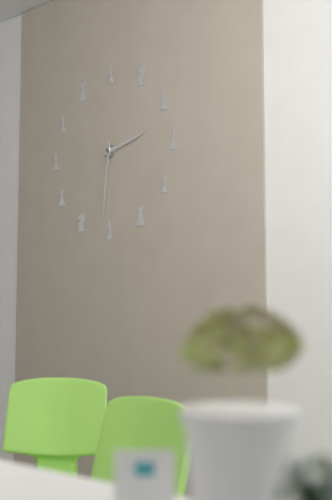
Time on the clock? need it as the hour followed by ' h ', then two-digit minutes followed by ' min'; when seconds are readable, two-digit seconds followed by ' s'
2 h 31 min
